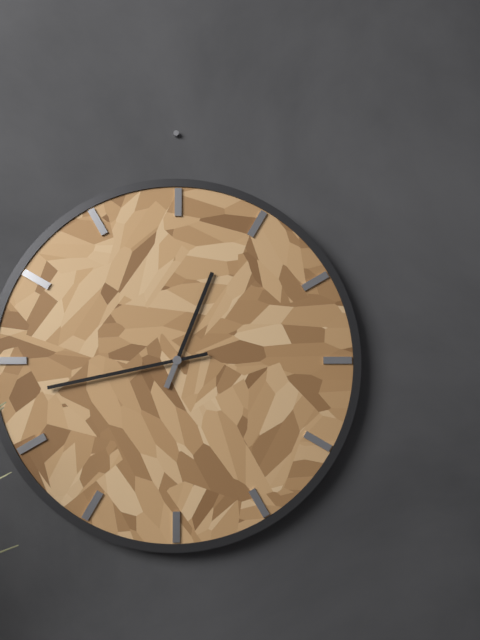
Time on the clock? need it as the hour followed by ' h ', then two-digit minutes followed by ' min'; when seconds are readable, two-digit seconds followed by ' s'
12 h 43 min
